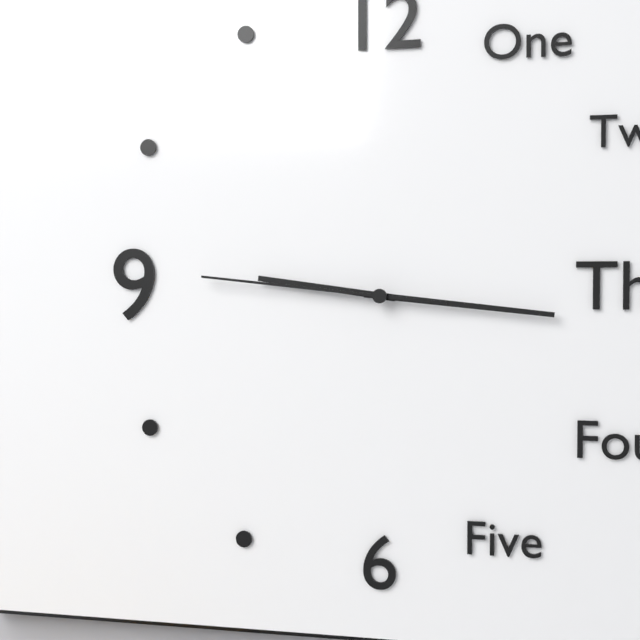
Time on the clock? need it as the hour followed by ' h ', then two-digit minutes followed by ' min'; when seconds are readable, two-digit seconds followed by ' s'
9 h 16 min 46 s
